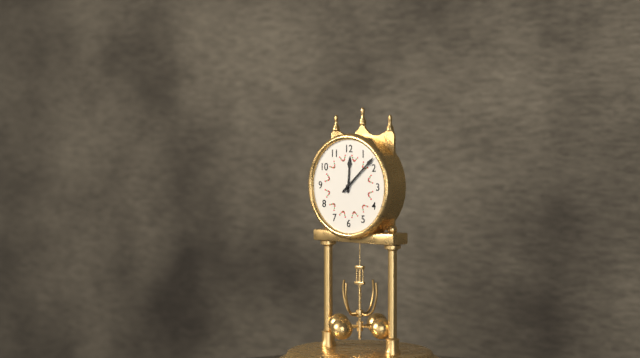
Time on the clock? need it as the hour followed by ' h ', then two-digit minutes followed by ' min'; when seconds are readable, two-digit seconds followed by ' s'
12 h 08 min
